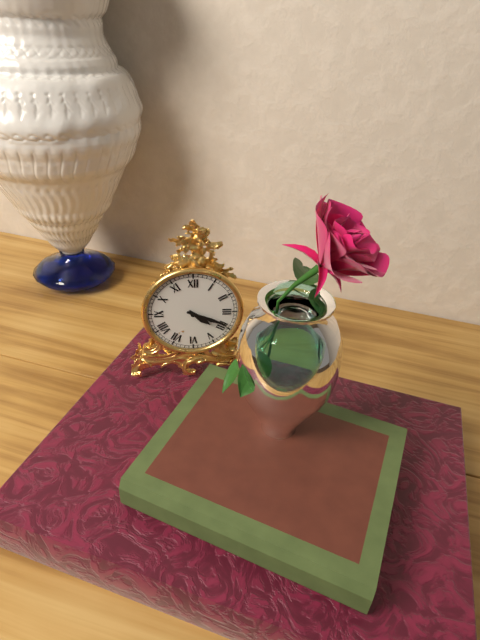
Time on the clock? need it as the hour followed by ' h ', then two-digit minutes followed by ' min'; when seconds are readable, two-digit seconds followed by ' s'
4 h 19 min
